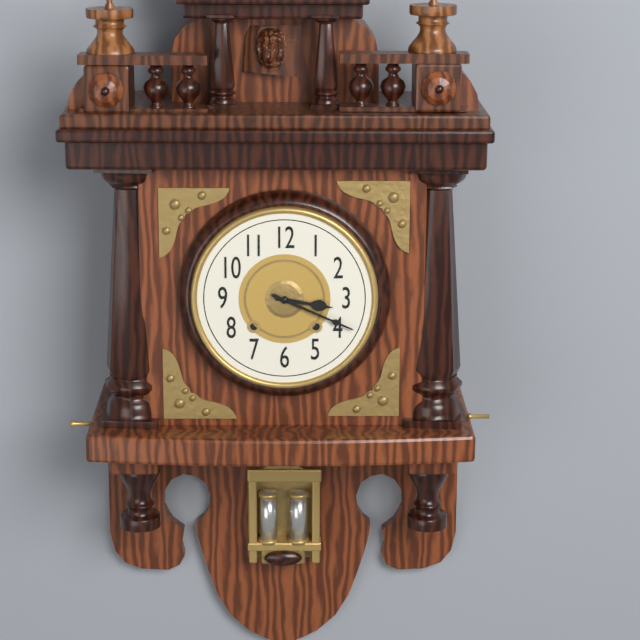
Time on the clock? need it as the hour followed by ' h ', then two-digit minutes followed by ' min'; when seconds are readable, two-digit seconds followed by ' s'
3 h 19 min
